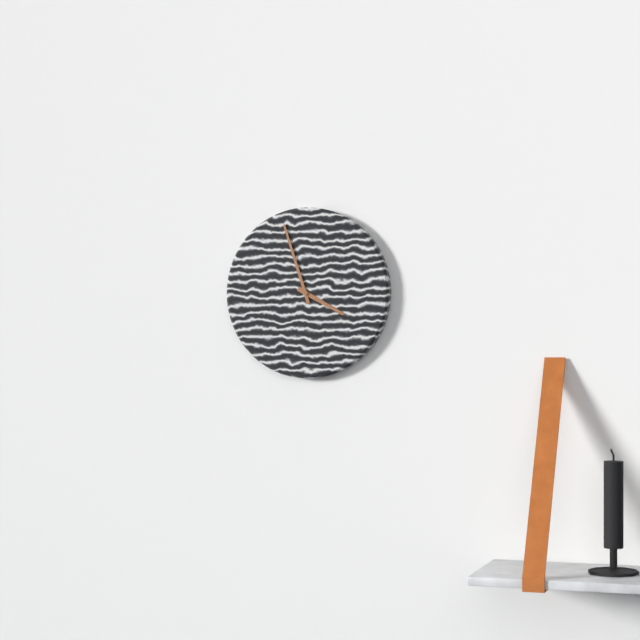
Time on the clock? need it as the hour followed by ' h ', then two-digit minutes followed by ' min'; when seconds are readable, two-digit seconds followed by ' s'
3 h 57 min
